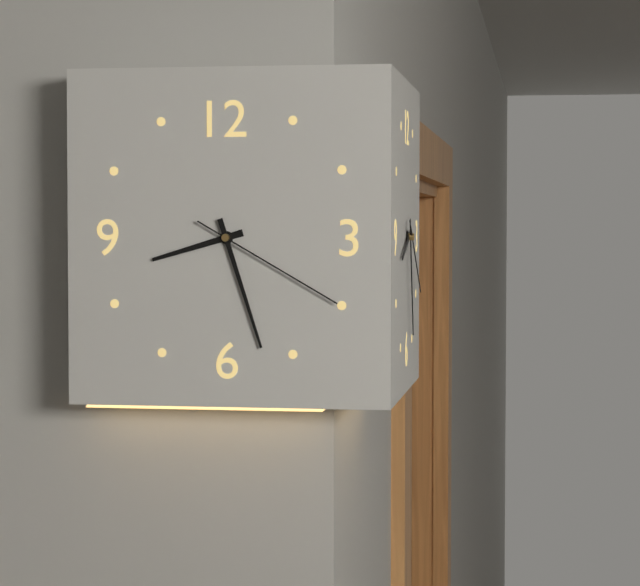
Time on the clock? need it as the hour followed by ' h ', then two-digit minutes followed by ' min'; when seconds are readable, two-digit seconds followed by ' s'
8 h 27 min 20 s
